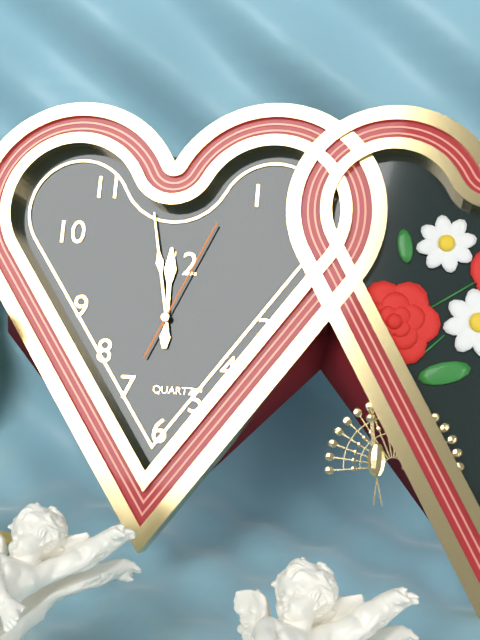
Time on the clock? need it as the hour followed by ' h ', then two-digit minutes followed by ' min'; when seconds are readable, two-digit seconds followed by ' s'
11 h 58 min 04 s
